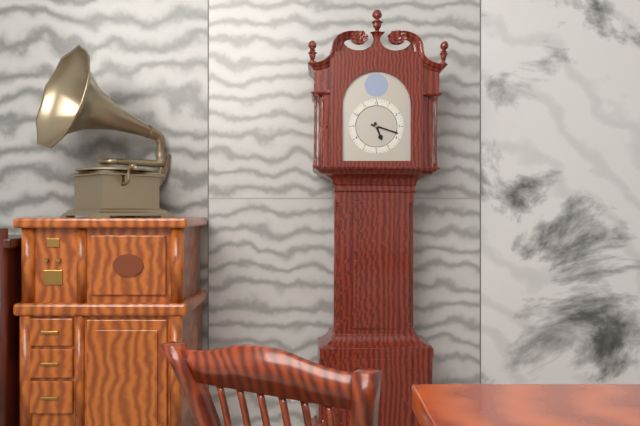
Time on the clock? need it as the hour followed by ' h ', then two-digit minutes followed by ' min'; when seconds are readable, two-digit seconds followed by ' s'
5 h 18 min
